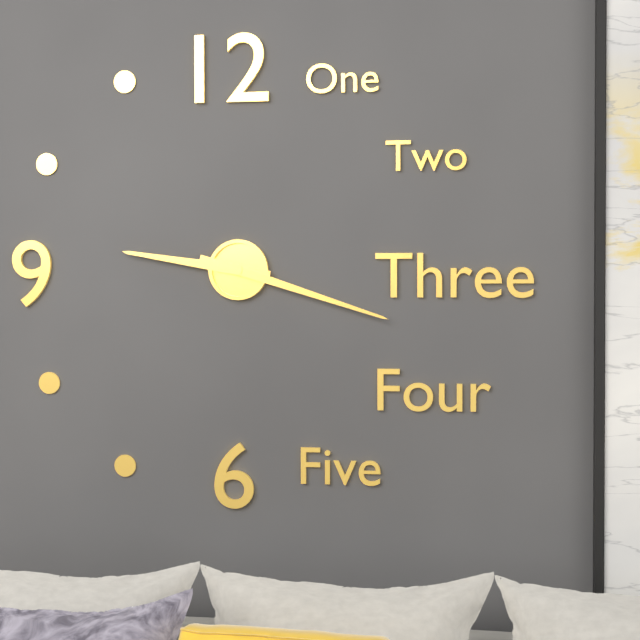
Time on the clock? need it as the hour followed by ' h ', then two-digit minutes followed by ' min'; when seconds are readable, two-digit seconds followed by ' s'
9 h 18 min
